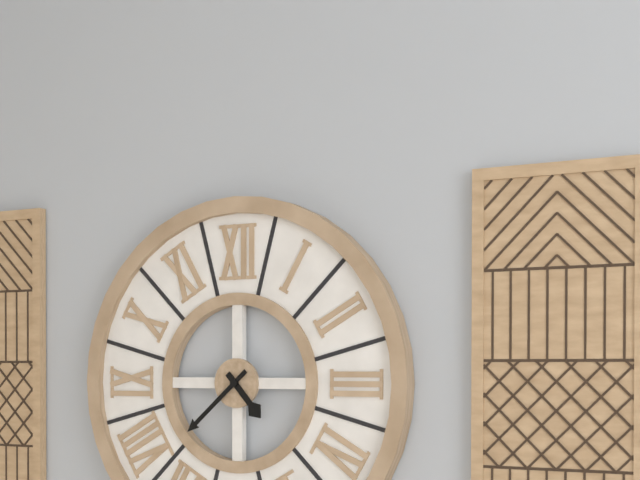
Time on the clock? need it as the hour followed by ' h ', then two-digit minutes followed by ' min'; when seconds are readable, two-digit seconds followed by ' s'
4 h 38 min
